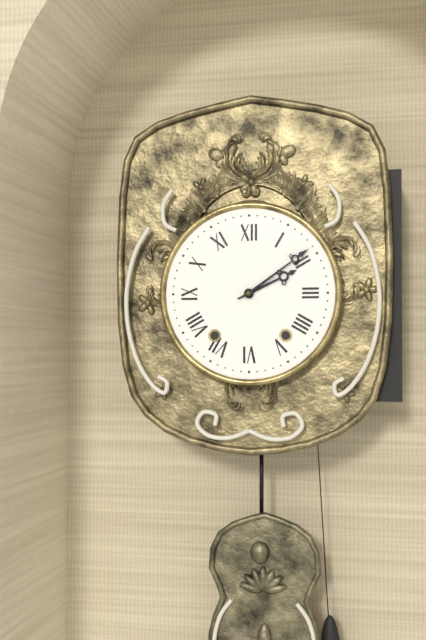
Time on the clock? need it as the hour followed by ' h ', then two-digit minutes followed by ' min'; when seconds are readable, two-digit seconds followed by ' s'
2 h 09 min
